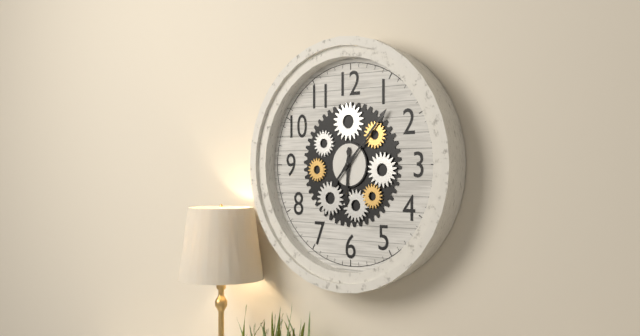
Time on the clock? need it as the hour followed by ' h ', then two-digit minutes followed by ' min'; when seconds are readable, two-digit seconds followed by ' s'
6 h 07 min
